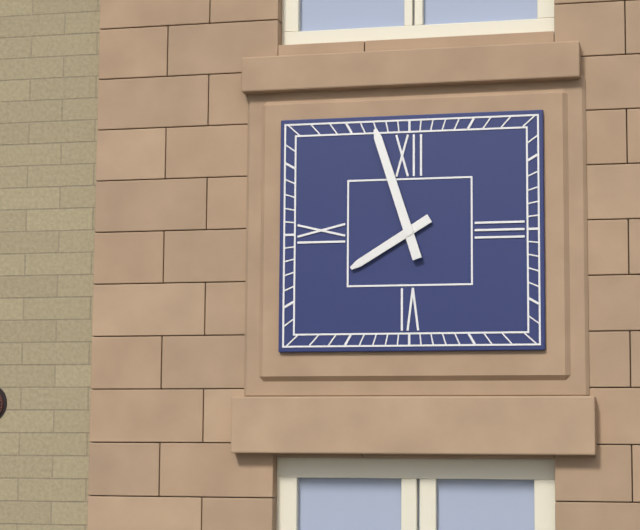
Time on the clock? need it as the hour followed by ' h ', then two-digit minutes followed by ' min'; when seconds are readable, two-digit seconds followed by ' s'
7 h 57 min
